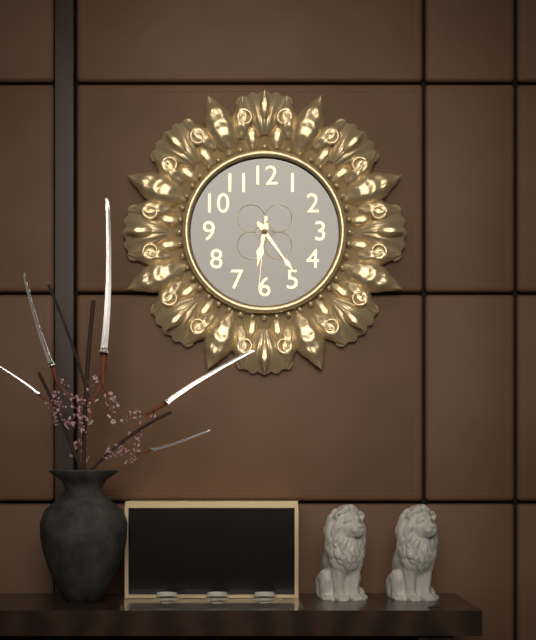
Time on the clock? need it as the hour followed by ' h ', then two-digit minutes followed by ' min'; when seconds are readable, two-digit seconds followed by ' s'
6 h 24 min 31 s
